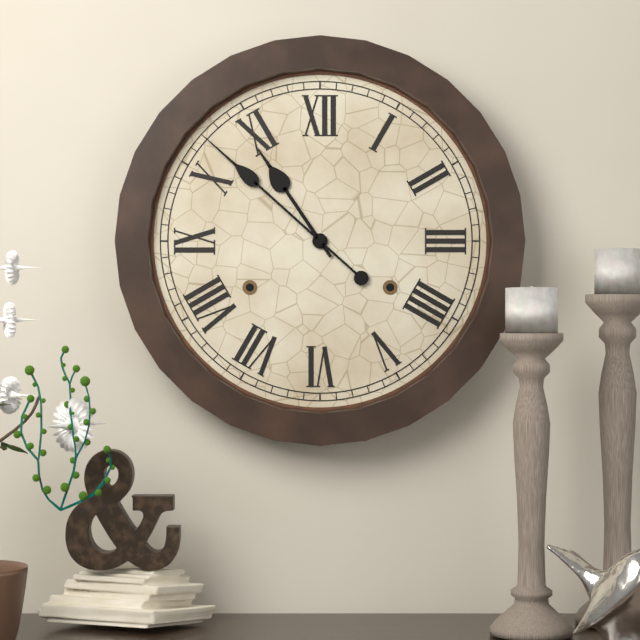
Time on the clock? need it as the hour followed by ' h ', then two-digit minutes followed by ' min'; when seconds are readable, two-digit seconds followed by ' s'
10 h 52 min
